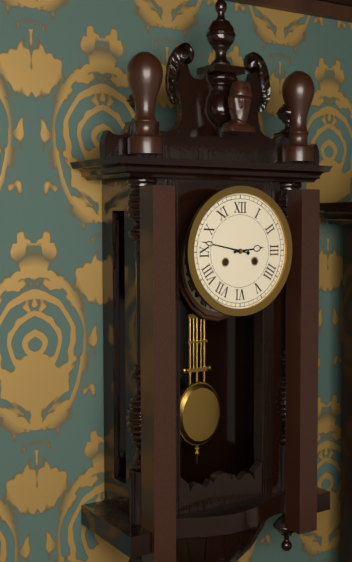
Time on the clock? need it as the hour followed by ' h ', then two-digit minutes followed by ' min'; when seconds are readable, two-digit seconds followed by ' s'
2 h 47 min
